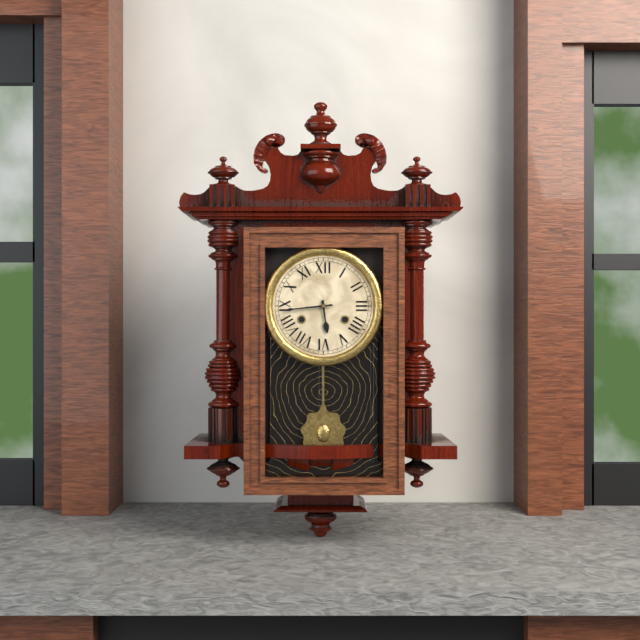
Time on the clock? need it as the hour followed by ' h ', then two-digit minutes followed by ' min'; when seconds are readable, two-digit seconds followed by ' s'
5 h 44 min
